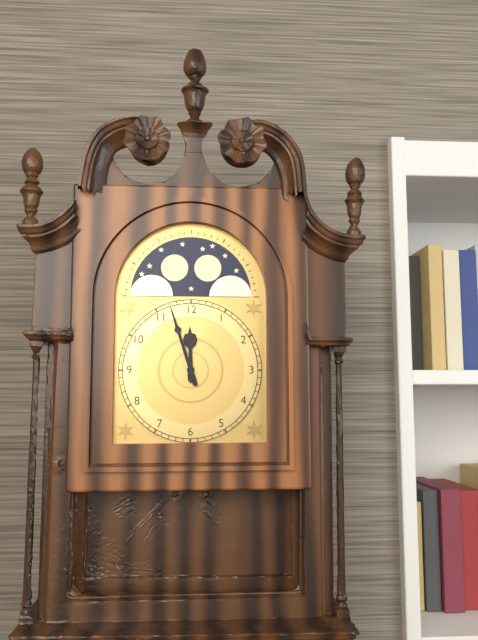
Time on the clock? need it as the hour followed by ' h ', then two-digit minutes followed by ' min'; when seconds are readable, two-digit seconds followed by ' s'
11 h 57 min
